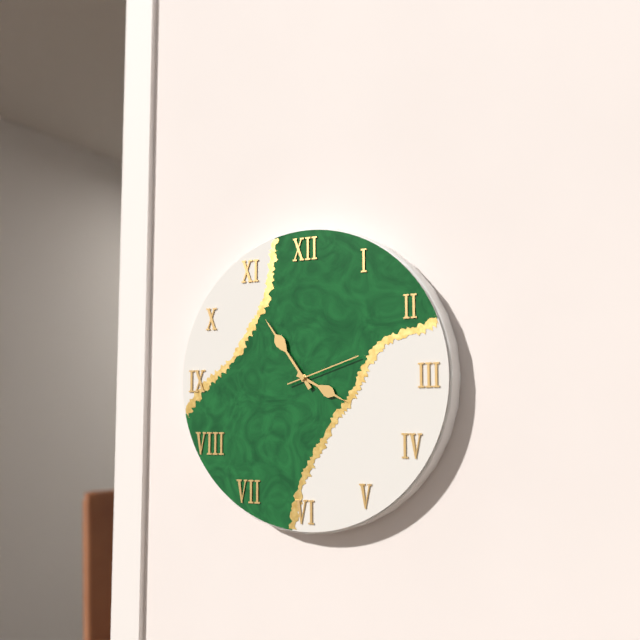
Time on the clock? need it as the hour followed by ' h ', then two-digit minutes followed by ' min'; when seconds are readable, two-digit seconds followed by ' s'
3 h 54 min 12 s
